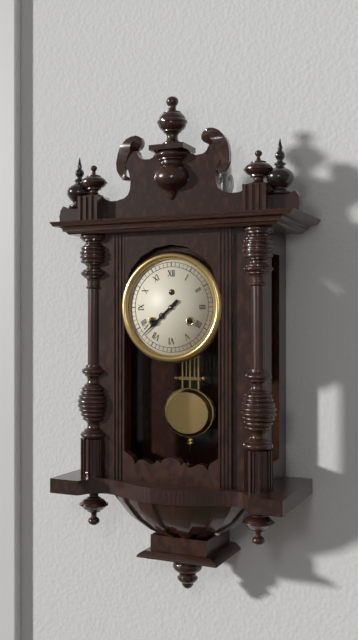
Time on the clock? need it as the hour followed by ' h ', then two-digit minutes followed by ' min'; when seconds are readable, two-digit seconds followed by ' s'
7 h 38 min
